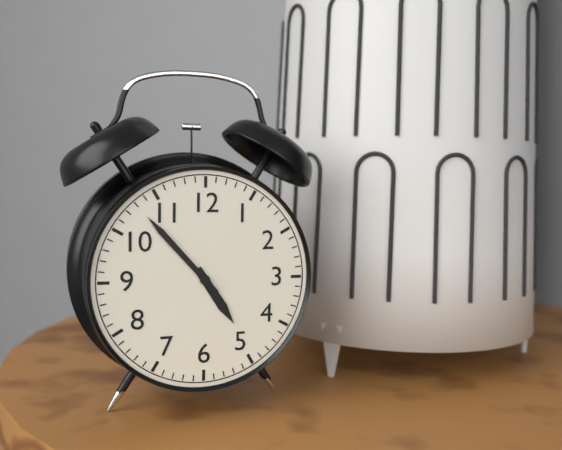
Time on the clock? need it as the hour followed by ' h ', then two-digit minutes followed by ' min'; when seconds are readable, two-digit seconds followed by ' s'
4 h 53 min
